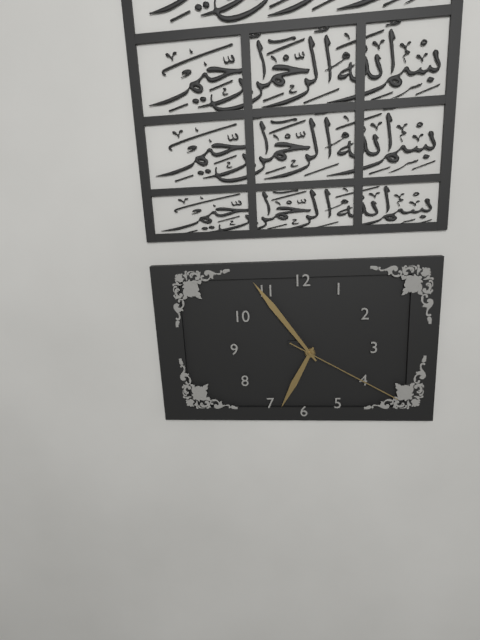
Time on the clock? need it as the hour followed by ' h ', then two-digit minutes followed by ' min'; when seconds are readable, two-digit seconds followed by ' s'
6 h 54 min 20 s
